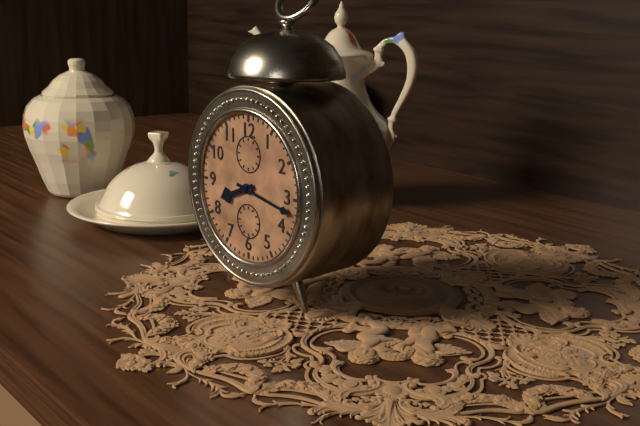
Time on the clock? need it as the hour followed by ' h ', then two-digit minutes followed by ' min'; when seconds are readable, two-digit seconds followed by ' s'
8 h 17 min
